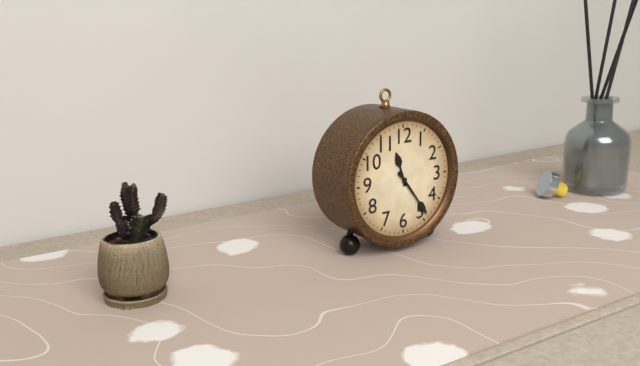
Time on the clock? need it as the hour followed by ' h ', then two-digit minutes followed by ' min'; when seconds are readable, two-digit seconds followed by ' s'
11 h 24 min
